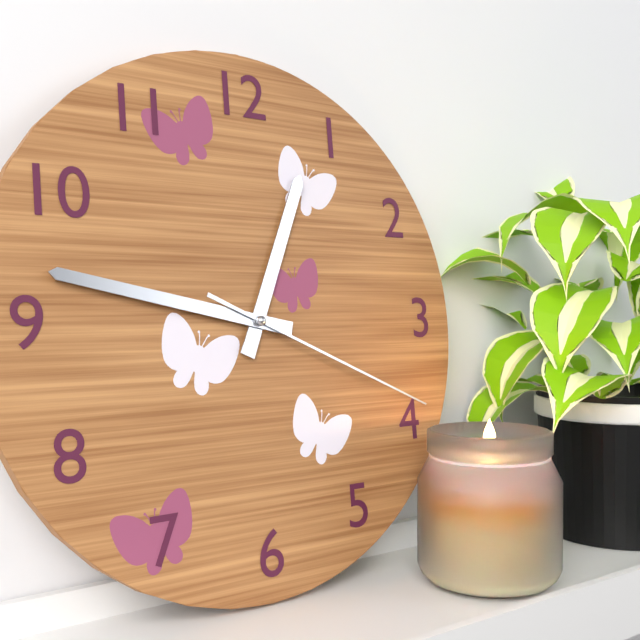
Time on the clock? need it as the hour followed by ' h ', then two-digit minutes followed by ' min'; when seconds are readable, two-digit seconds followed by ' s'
12 h 47 min 19 s
